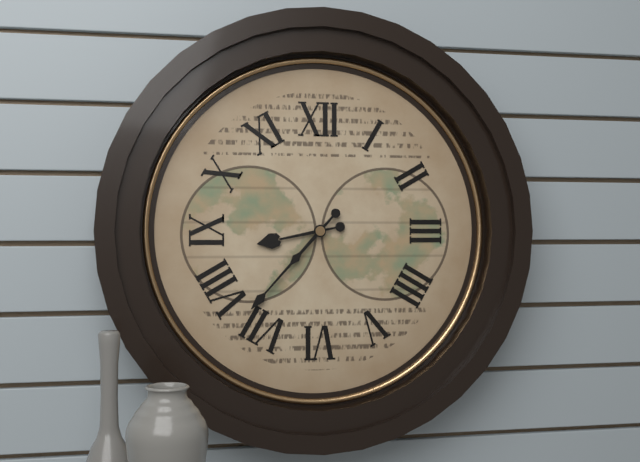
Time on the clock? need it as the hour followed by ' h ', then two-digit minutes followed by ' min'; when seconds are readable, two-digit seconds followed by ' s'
8 h 37 min
